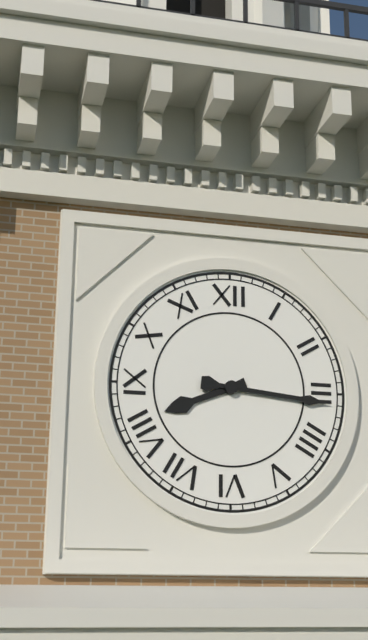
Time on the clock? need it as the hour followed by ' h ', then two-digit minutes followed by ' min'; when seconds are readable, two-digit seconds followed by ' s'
8 h 16 min
